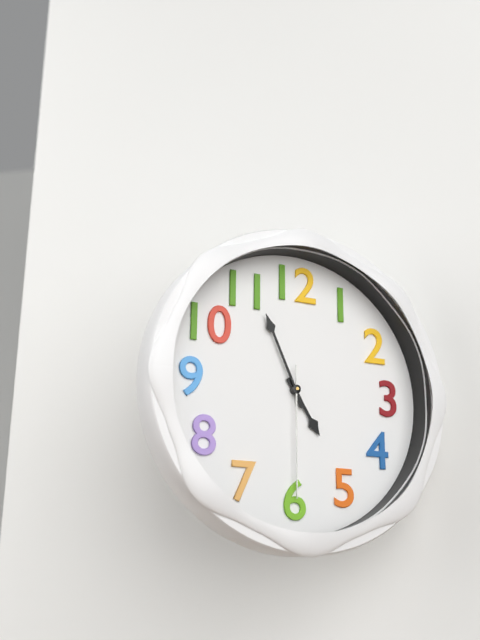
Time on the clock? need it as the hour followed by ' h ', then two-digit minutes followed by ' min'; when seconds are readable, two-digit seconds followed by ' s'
4 h 56 min 30 s
